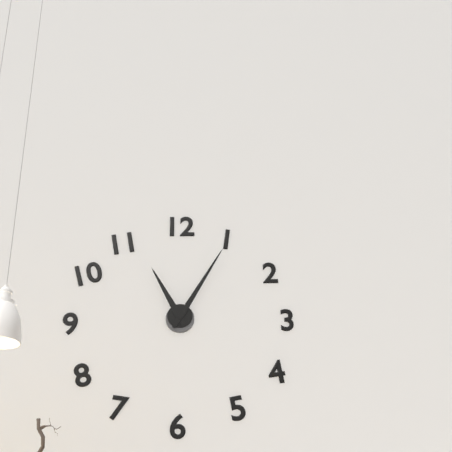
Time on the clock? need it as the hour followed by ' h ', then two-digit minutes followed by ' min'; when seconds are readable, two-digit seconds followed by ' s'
11 h 05 min
